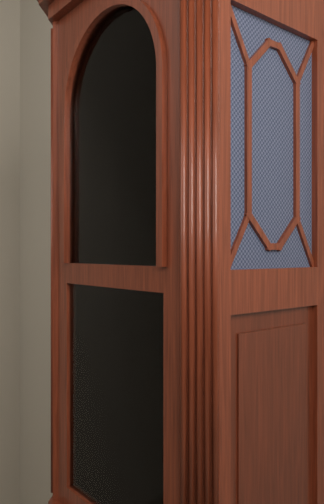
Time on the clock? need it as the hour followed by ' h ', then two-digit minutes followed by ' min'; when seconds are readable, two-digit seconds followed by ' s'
12 h 07 min
